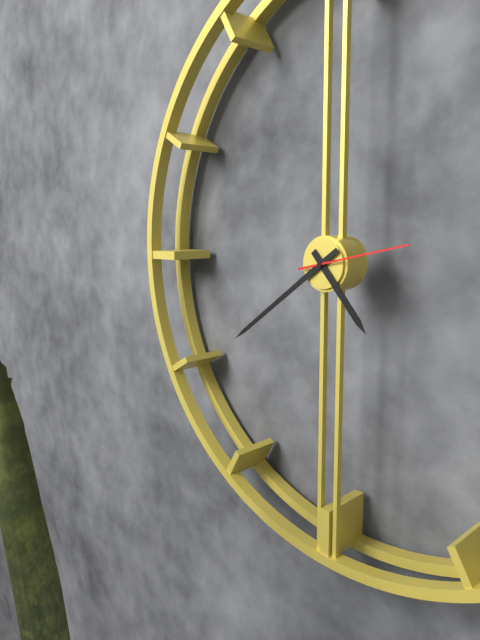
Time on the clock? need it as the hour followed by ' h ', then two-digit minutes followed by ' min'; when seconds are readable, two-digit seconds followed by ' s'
4 h 39 min 13 s
